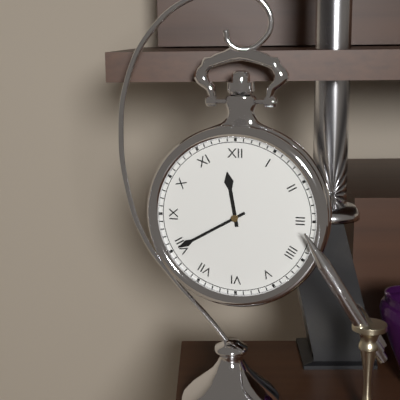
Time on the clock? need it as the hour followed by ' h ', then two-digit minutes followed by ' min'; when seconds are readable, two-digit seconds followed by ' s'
11 h 40 min
